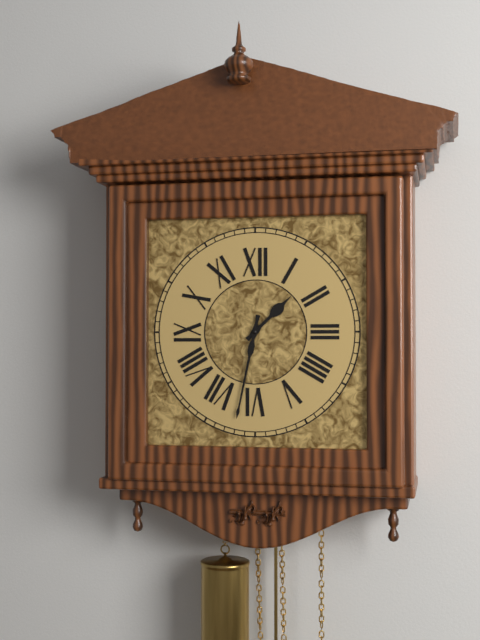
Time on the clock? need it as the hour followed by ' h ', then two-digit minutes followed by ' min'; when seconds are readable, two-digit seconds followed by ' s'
1 h 32 min
